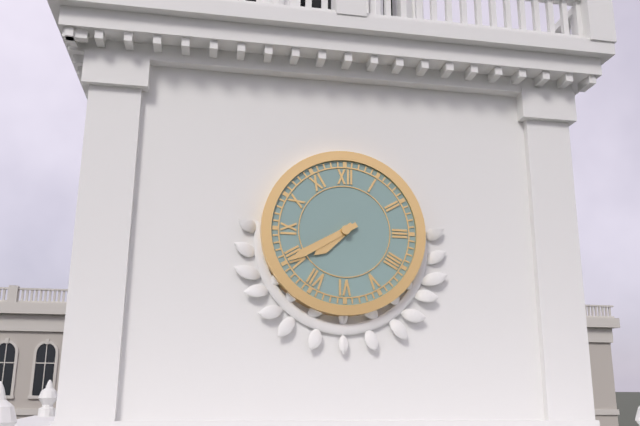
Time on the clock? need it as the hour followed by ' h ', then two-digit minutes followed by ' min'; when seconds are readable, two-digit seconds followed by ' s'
7 h 40 min
